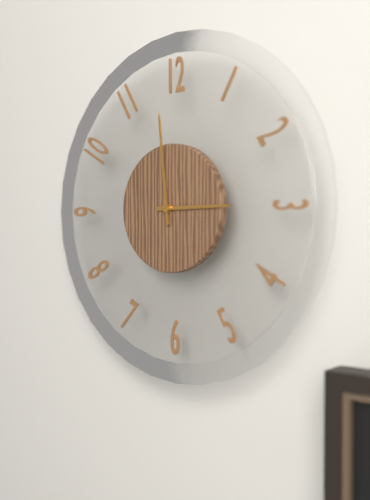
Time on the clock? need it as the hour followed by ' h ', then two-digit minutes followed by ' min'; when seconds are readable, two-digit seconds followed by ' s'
2 h 59 min
